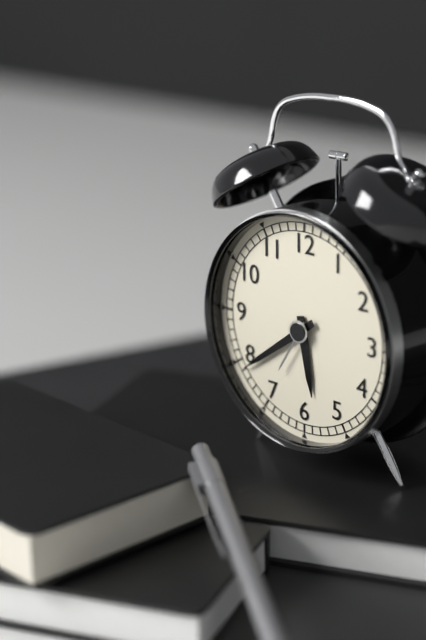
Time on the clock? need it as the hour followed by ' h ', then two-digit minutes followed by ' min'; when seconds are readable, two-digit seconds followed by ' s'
5 h 39 min
